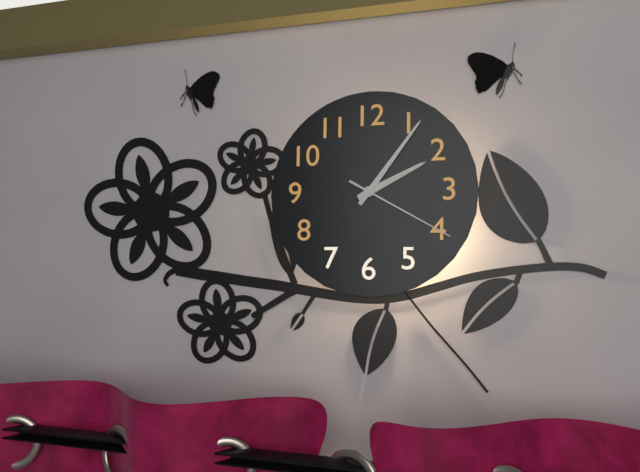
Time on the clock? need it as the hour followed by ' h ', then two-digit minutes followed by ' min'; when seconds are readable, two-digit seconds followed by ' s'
2 h 06 min 20 s
